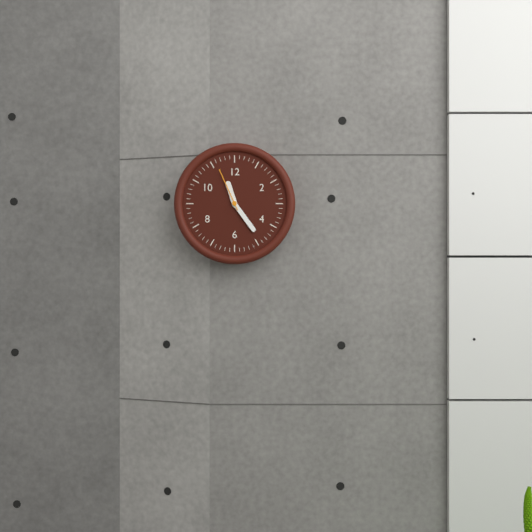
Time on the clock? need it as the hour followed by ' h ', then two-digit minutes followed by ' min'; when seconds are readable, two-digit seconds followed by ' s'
11 h 24 min
